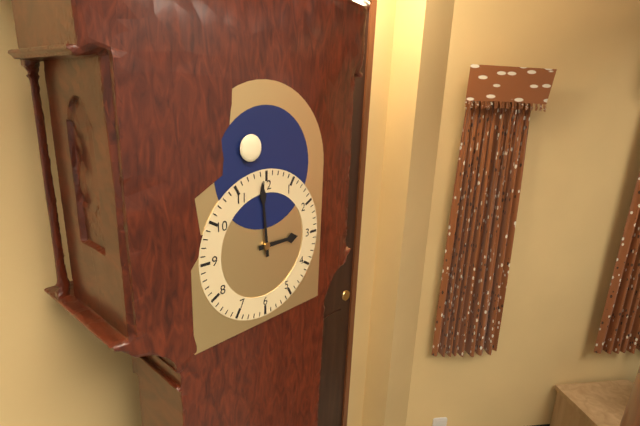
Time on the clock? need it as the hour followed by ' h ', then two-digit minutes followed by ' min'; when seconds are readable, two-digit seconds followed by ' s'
2 h 59 min
